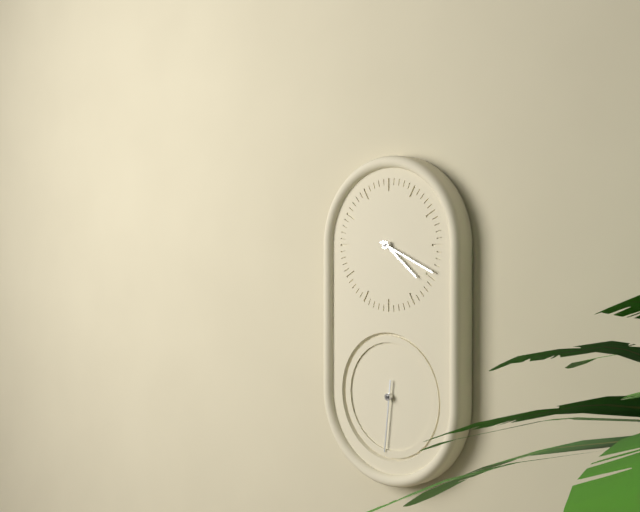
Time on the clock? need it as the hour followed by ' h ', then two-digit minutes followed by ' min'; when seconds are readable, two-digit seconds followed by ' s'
4 h 19 min 31 s
